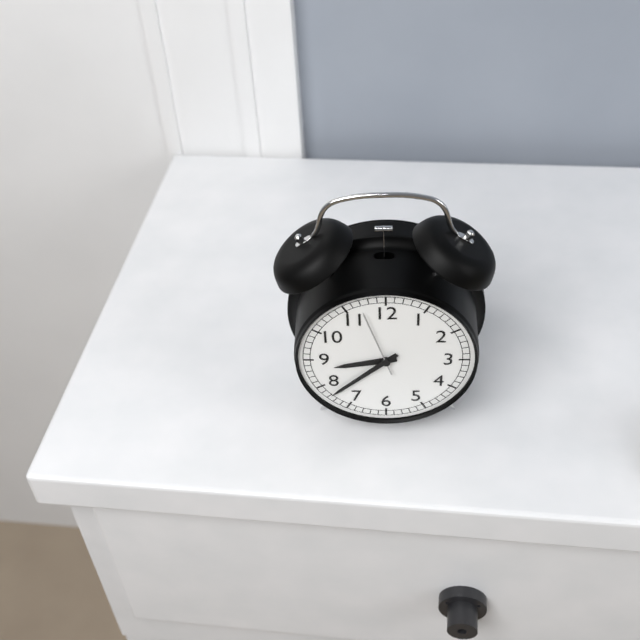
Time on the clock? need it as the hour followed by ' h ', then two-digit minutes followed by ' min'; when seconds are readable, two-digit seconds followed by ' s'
8 h 38 min 57 s
